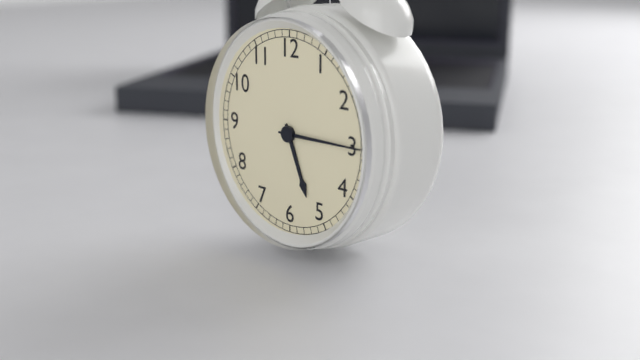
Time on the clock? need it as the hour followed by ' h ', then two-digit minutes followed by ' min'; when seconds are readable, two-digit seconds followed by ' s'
5 h 15 min
